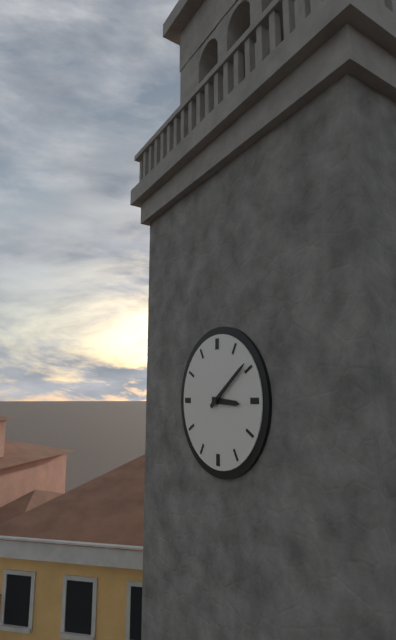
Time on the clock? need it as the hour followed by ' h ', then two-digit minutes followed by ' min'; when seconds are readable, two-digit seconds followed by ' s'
3 h 09 min
